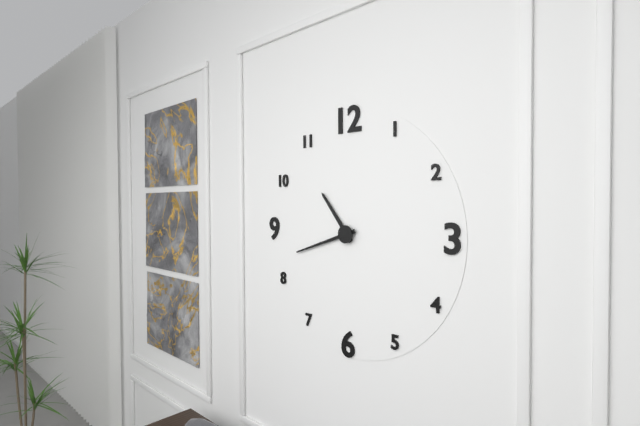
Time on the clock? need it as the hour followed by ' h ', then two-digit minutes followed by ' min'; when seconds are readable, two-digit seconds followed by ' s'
10 h 42 min
